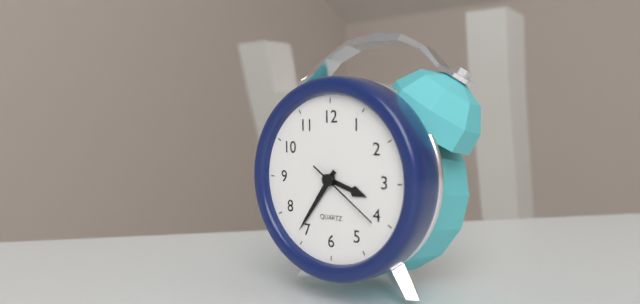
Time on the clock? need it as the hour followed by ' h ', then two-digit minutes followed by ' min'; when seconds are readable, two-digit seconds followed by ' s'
3 h 36 min 21 s
